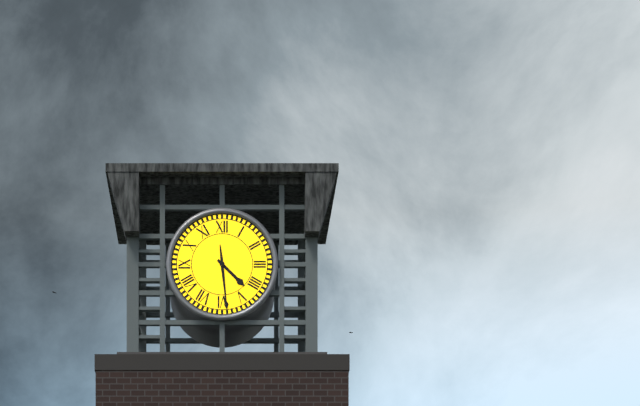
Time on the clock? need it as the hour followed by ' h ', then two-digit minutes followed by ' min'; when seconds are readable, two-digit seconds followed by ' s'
4 h 29 min
